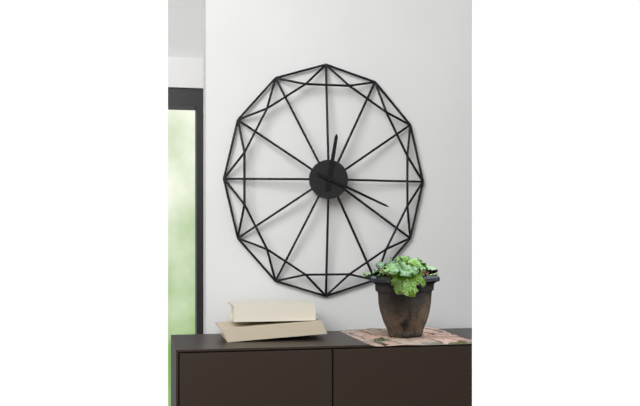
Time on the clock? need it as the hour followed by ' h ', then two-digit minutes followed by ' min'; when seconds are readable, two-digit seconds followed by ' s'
12 h 19 min
